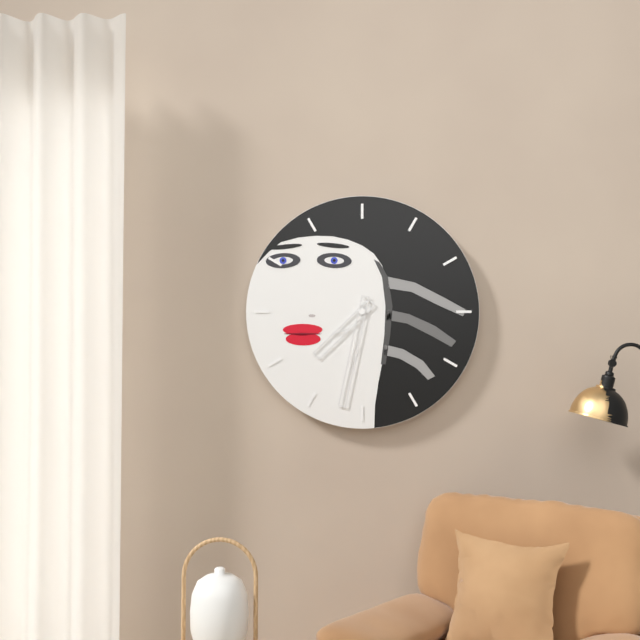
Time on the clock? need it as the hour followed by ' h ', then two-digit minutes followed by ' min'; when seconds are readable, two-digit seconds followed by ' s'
7 h 32 min
